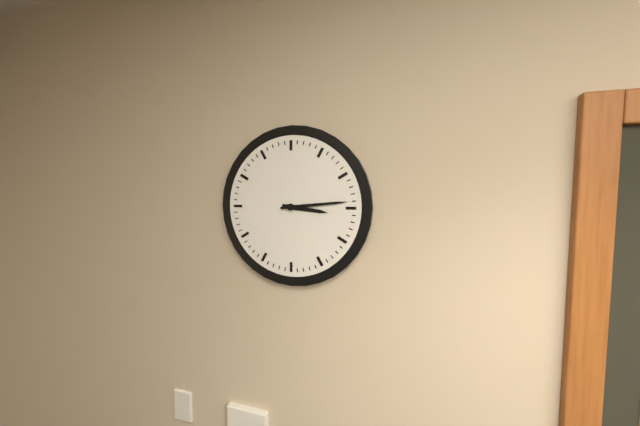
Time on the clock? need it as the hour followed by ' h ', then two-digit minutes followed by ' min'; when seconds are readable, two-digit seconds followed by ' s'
3 h 14 min
